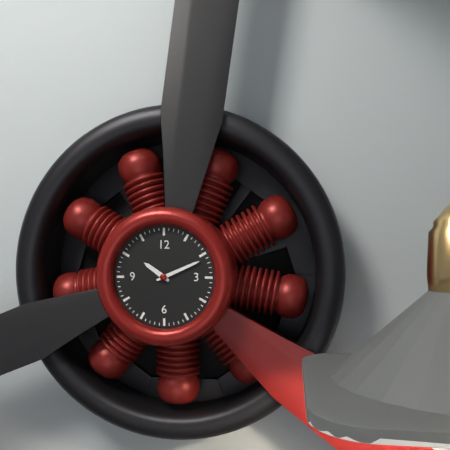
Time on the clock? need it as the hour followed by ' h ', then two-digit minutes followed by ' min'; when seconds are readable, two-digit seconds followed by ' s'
10 h 11 min
